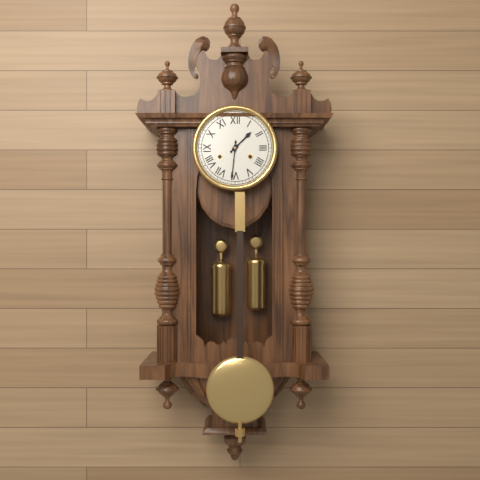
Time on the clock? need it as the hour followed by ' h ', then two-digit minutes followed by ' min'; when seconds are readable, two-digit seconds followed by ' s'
1 h 31 min
